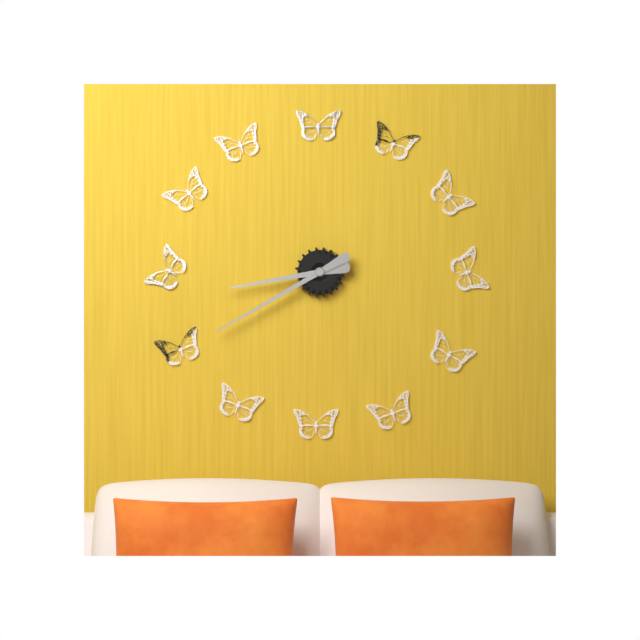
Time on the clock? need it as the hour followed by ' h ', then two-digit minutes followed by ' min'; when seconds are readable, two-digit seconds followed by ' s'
8 h 40 min
